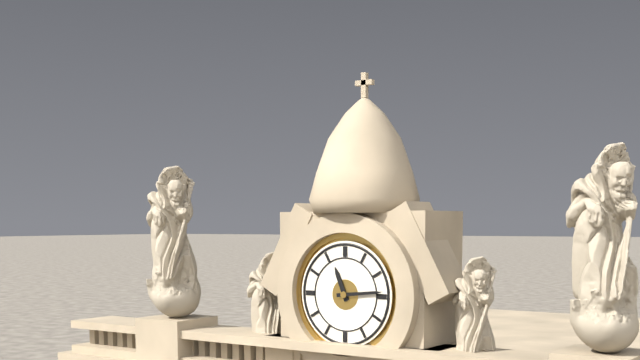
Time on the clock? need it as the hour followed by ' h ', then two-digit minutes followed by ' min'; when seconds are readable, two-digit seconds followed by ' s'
11 h 14 min
